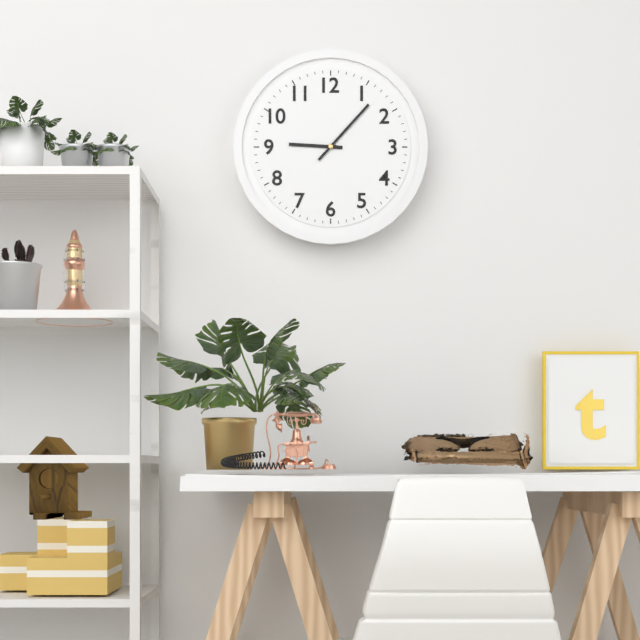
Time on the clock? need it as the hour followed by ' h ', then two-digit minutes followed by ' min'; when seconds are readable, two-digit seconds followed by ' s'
9 h 07 min
